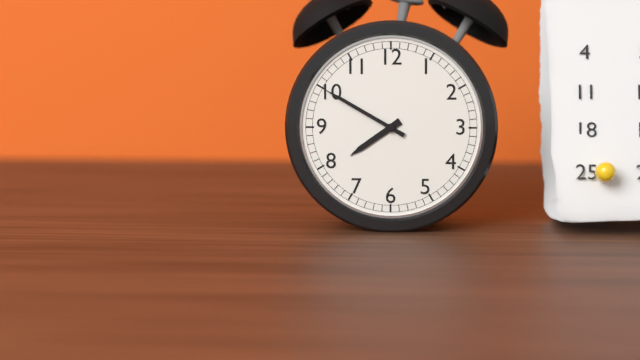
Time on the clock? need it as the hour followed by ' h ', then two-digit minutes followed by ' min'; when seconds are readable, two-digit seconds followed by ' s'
7 h 50 min
